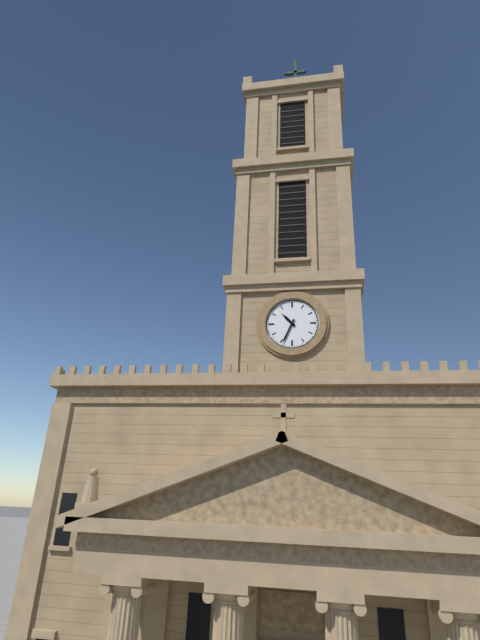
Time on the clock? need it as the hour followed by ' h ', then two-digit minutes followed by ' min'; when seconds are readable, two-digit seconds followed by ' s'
10 h 34 min
